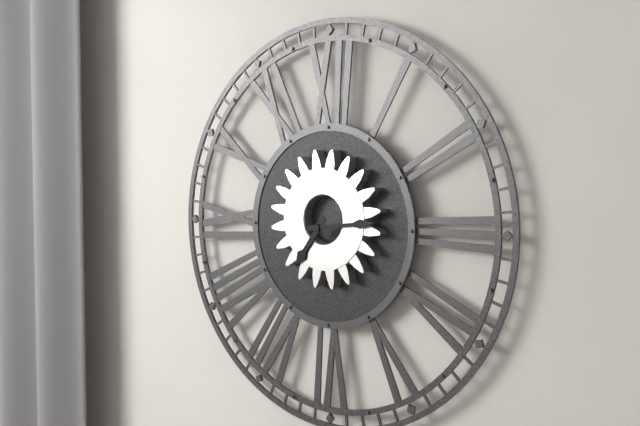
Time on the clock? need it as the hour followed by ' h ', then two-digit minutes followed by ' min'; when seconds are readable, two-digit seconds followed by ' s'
7 h 14 min
